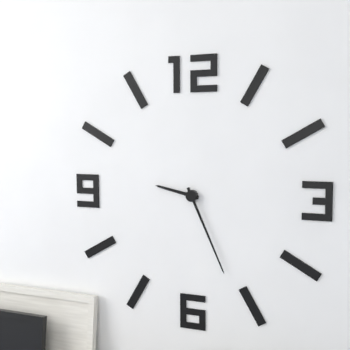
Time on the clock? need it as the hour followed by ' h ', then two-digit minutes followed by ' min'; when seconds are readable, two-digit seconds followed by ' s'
9 h 26 min
